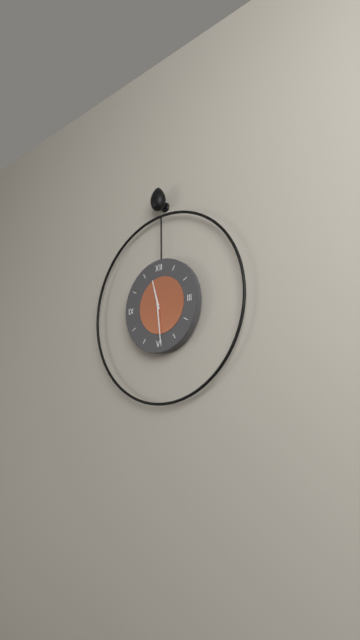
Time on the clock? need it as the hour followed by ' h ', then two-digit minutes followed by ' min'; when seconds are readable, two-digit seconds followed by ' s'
11 h 29 min
